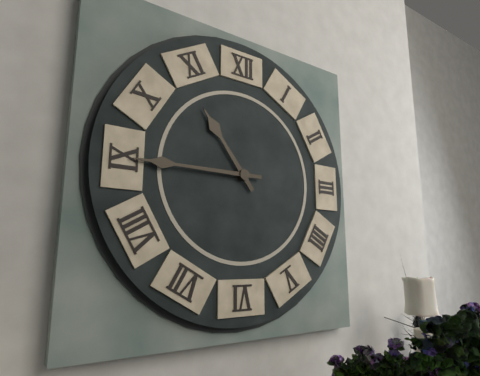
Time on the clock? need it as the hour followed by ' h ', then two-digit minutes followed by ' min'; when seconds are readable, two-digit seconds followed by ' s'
10 h 45 min
